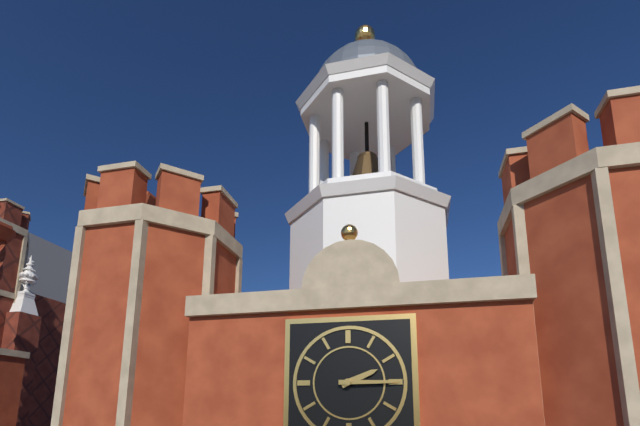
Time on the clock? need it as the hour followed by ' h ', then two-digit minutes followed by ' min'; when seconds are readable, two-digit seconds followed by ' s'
2 h 15 min
